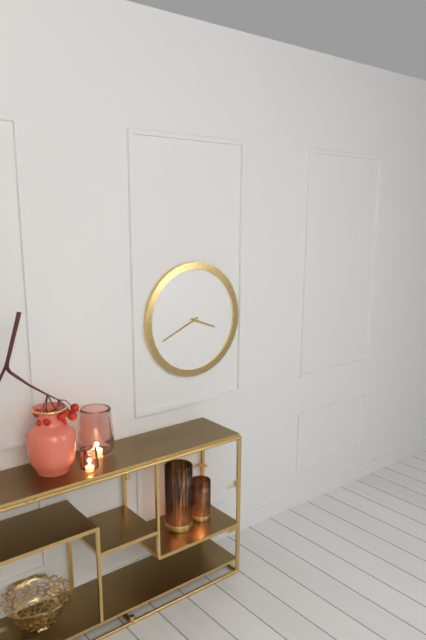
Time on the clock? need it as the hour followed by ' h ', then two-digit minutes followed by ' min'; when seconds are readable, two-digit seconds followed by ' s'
3 h 41 min
